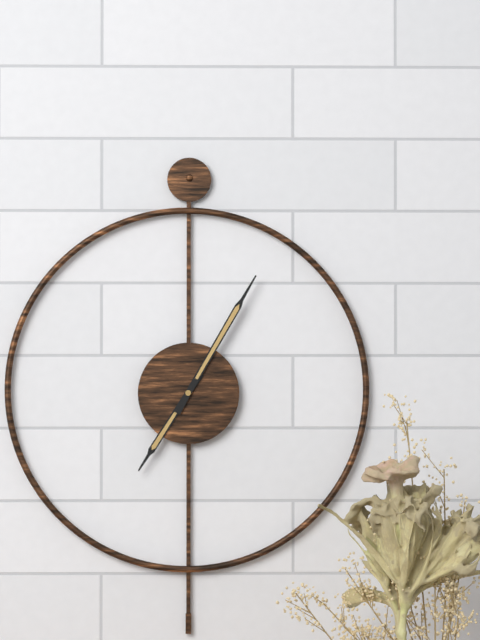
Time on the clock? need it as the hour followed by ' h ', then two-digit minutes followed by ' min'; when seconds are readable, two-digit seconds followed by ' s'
7 h 05 min
